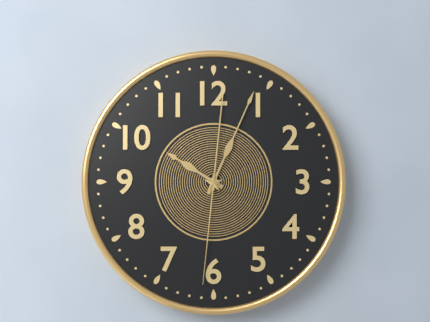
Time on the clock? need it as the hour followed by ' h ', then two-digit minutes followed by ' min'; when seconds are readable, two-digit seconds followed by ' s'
10 h 04 min 31 s
